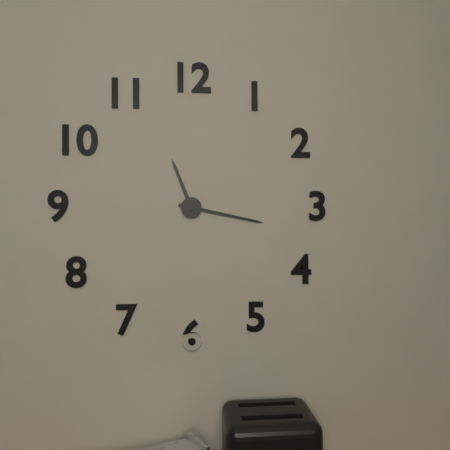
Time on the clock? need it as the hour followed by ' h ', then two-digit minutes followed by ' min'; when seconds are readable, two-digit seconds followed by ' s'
11 h 17 min
